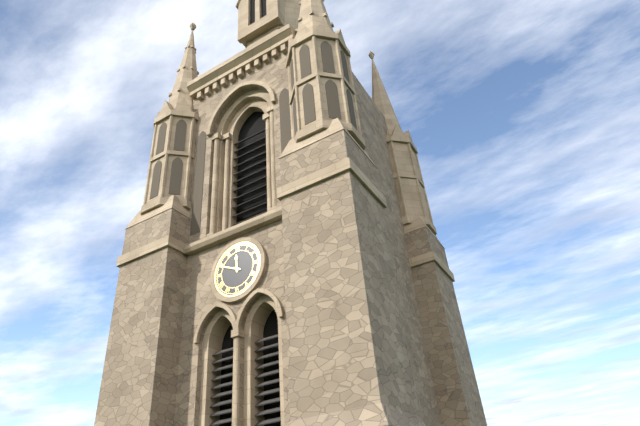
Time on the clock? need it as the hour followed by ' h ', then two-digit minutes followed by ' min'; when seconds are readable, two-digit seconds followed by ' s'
11 h 49 min
